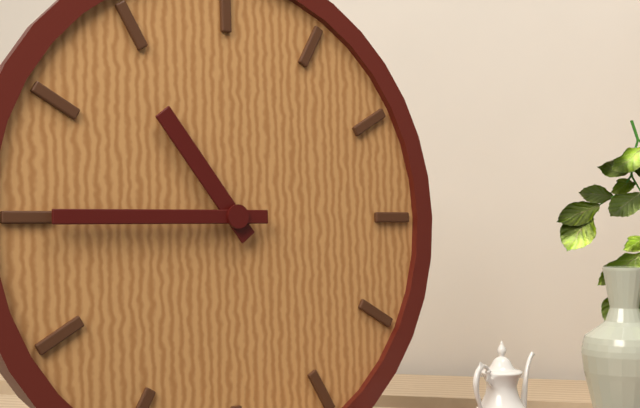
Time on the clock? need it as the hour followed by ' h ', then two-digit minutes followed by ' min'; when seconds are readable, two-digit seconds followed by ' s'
10 h 45 min
